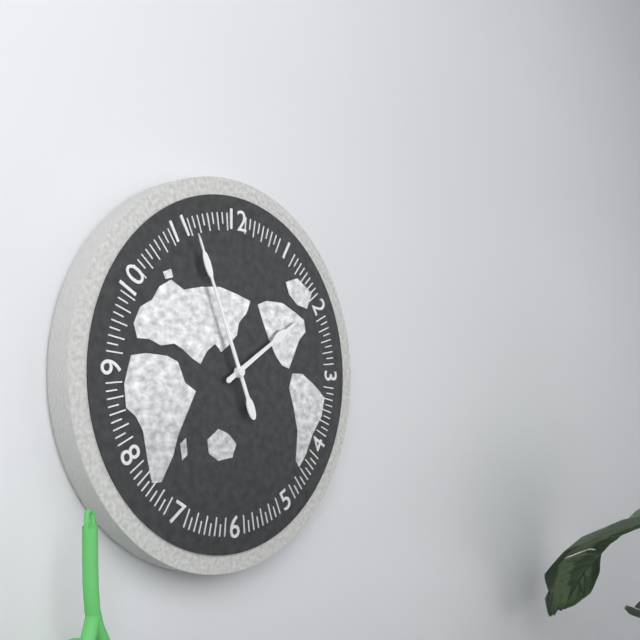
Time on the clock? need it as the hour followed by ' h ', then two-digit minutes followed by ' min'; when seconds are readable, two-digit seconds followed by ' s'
1 h 56 min
